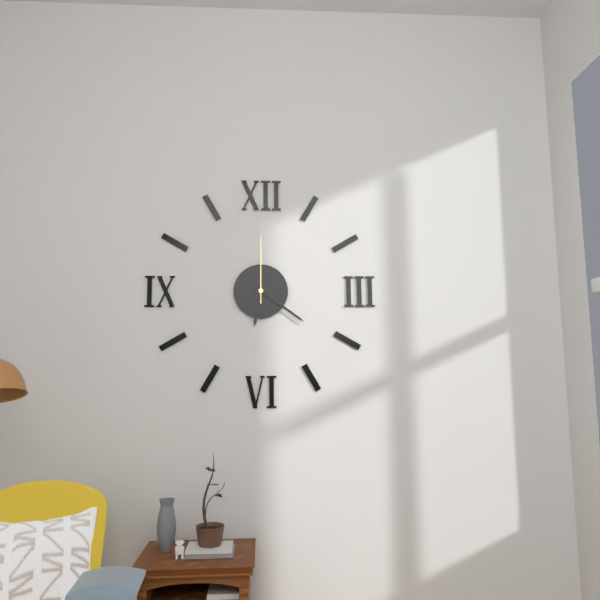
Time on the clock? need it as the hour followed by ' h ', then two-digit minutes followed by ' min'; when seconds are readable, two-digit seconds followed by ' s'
6 h 21 min 00 s
